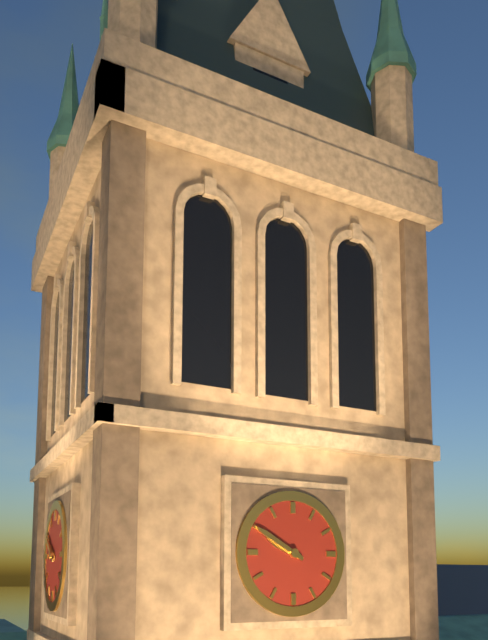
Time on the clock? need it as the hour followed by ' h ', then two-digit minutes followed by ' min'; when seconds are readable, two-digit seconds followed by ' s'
9 h 50 min
